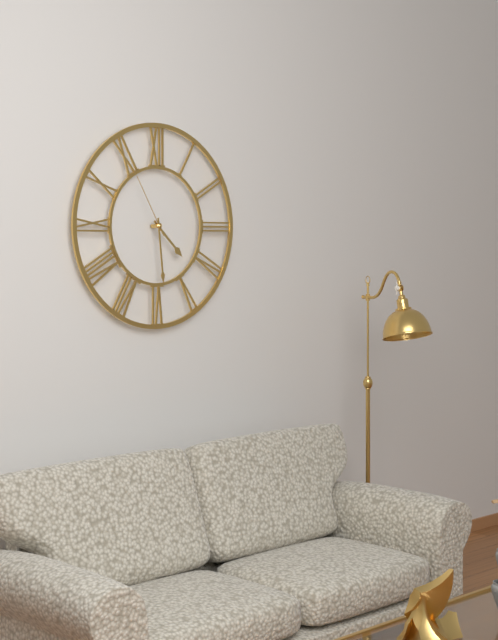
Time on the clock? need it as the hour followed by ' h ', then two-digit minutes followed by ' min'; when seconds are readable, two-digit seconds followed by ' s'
4 h 29 min 55 s
